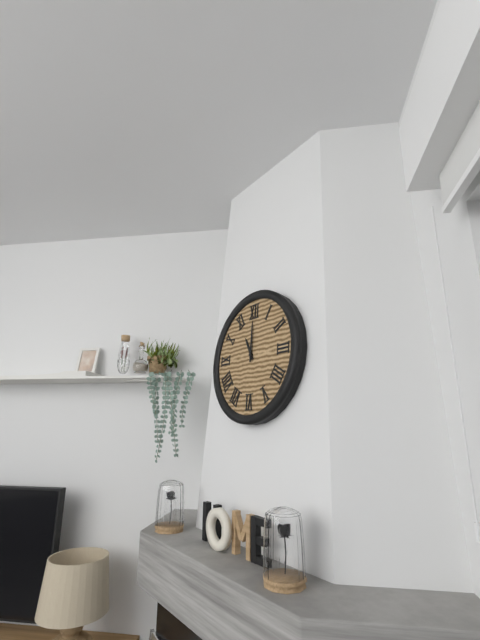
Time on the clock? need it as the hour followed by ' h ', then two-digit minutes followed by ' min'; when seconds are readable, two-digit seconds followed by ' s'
11 h 00 min
